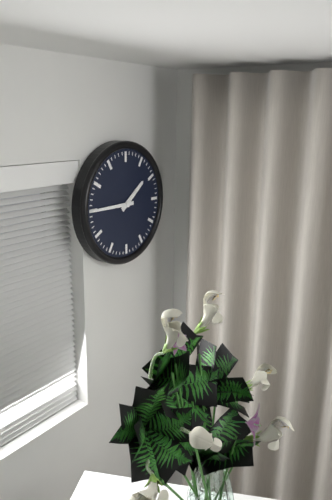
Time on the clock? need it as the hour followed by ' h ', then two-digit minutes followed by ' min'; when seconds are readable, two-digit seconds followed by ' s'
1 h 45 min
